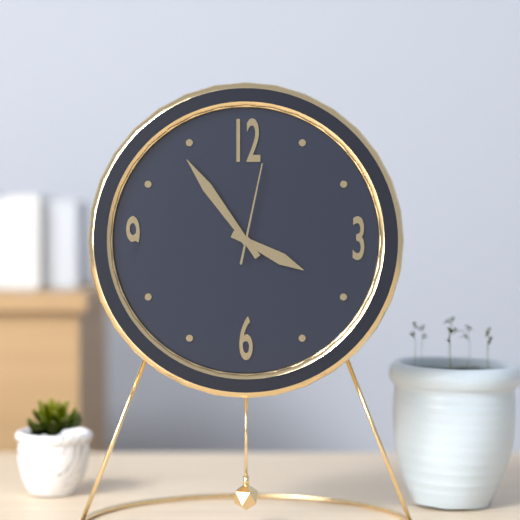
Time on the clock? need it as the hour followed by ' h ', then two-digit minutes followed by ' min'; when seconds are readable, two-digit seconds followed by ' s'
3 h 54 min 02 s
